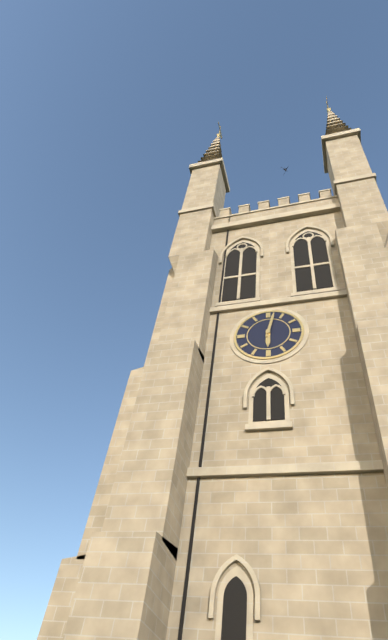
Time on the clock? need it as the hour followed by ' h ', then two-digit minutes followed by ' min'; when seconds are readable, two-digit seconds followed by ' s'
6 h 02 min
